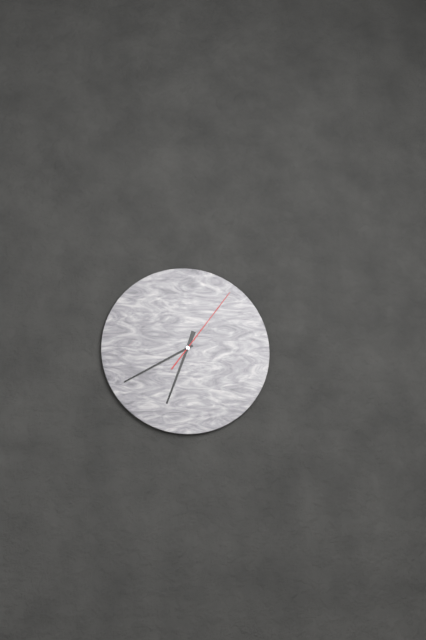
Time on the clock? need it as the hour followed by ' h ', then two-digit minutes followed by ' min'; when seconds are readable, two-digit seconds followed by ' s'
6 h 40 min 06 s
